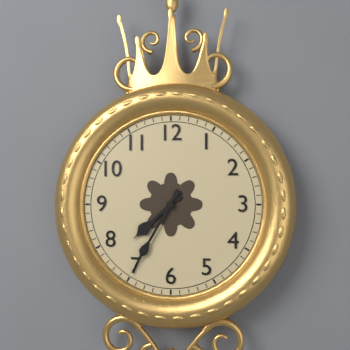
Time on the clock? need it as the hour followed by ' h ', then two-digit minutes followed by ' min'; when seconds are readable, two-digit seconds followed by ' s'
7 h 35 min
